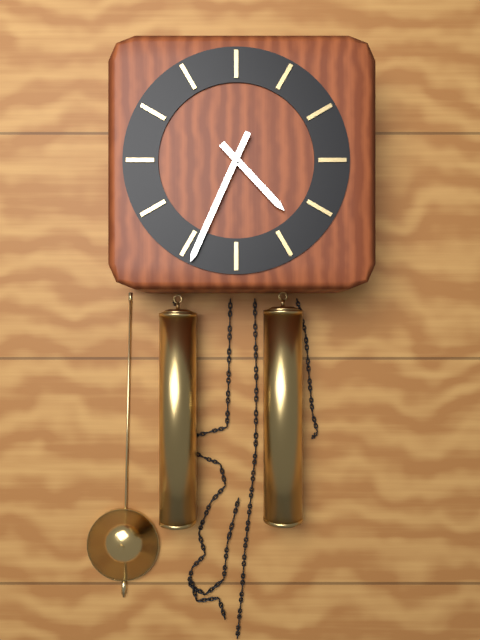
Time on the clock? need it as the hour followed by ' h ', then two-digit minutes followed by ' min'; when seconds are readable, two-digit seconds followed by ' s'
4 h 34 min
